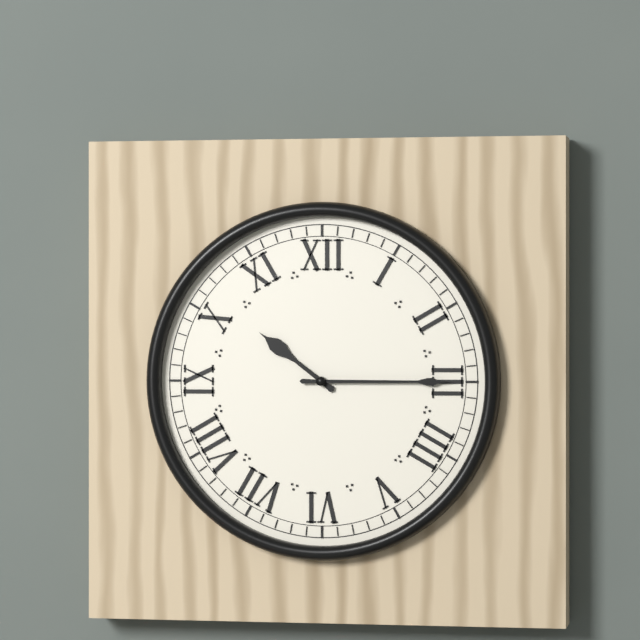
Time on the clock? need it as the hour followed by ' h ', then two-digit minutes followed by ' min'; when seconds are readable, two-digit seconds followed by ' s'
10 h 15 min
